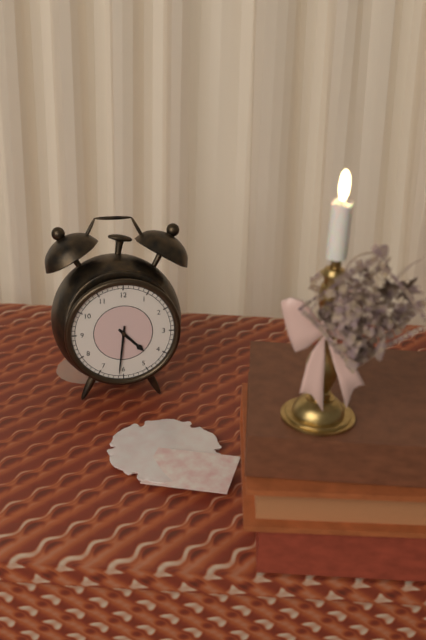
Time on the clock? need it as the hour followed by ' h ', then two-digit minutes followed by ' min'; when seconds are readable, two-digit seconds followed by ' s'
4 h 31 min
